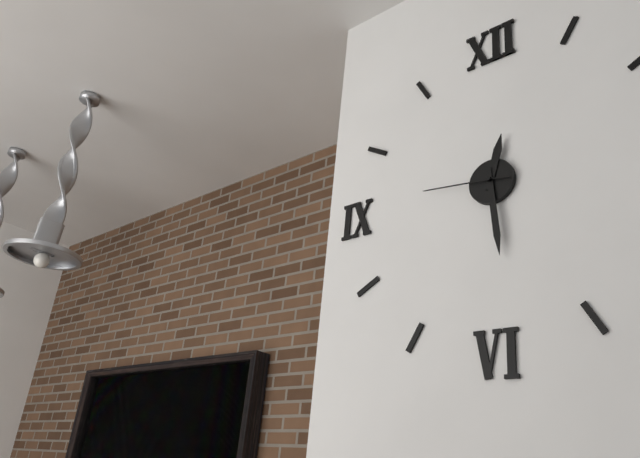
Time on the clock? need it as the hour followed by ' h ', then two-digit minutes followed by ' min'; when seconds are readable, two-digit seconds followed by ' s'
12 h 29 min 46 s
